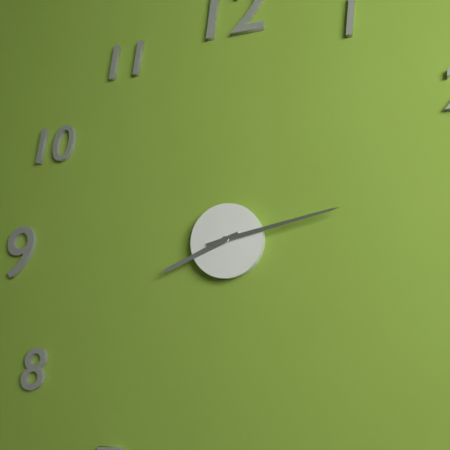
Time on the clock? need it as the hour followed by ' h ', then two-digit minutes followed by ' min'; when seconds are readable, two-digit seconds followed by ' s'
8 h 13 min
